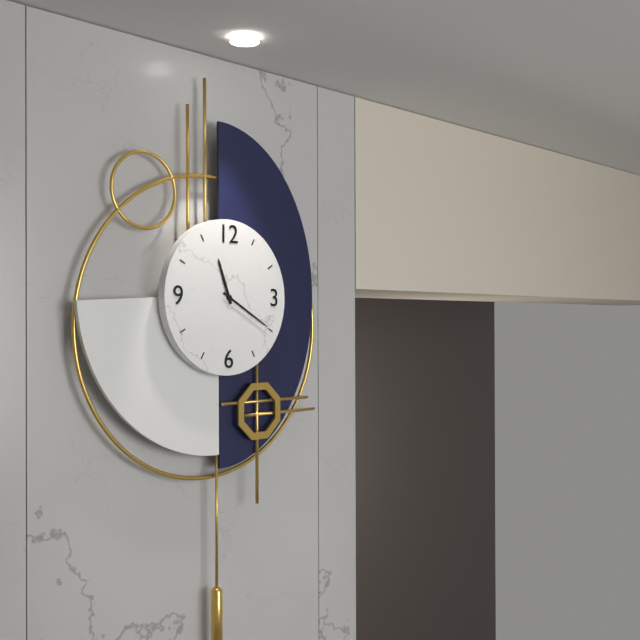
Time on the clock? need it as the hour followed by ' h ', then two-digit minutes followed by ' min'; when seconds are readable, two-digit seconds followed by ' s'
11 h 20 min
